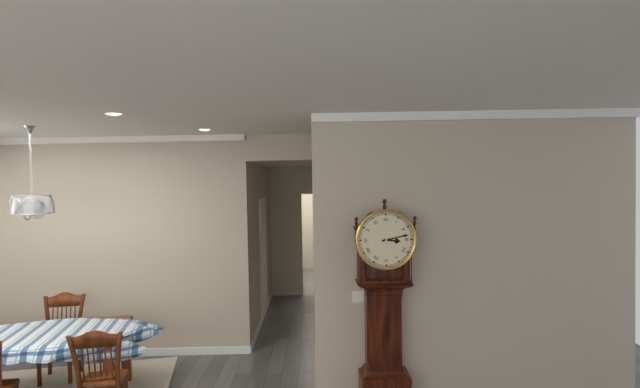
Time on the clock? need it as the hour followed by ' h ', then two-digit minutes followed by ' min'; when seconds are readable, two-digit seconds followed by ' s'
3 h 13 min
